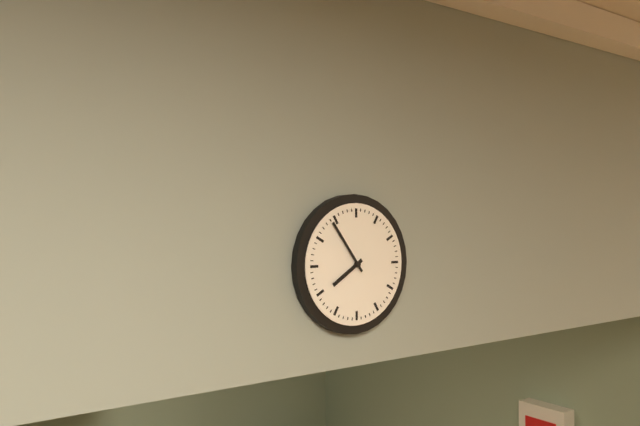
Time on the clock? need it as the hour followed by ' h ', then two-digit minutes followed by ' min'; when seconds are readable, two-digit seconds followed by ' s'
7 h 54 min
